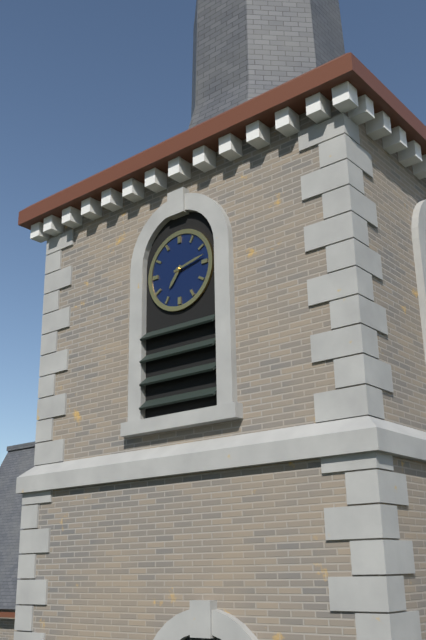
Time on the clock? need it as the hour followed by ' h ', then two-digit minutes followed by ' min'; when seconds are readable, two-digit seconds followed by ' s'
7 h 13 min
